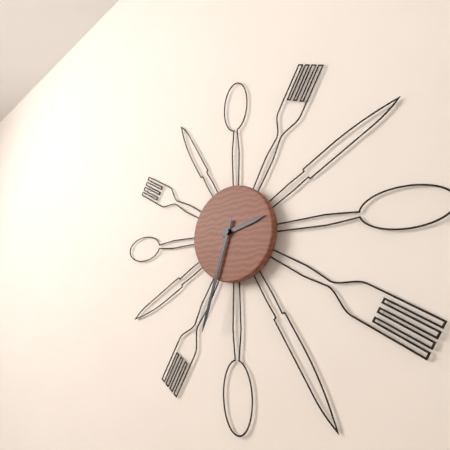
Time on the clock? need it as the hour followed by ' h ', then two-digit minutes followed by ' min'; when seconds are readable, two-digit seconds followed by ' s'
2 h 33 min
